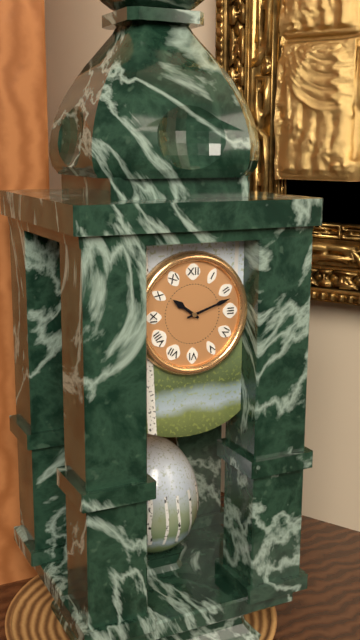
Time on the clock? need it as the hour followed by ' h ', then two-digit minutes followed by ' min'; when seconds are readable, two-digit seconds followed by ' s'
10 h 12 min
